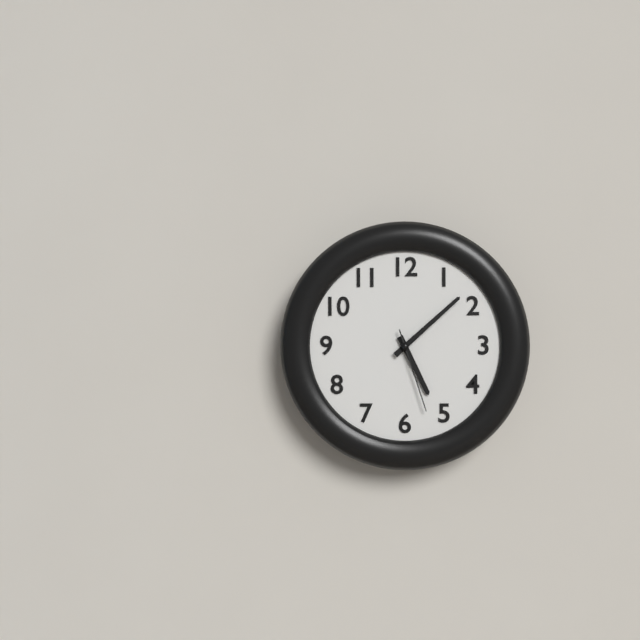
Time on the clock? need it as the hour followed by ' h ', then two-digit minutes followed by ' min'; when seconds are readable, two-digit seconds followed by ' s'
5 h 08 min 27 s
